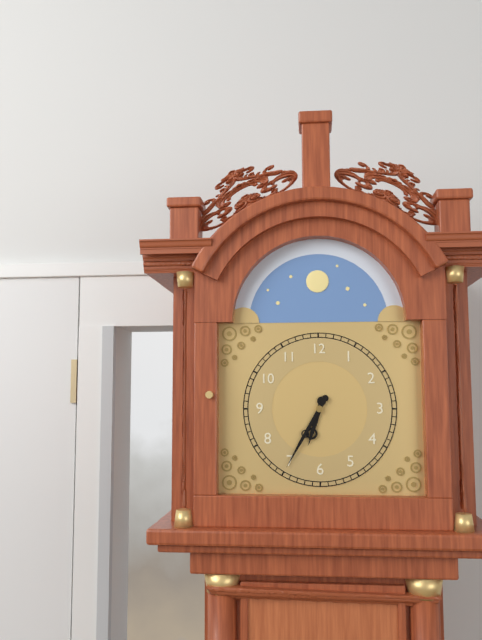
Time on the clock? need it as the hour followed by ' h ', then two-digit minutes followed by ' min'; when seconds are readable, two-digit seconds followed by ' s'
6 h 35 min
